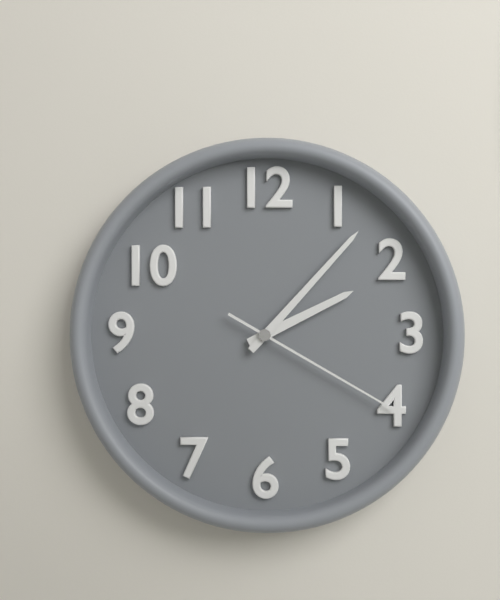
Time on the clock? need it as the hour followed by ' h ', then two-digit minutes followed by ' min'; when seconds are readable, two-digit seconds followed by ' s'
2 h 07 min 20 s
